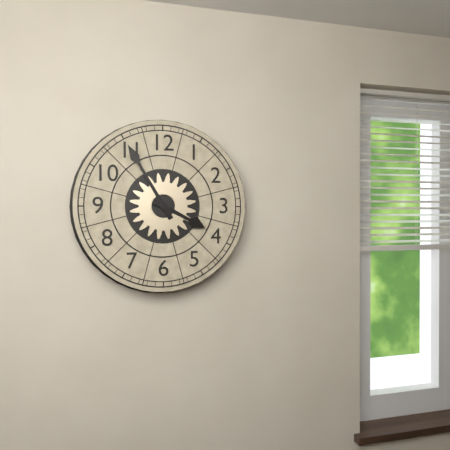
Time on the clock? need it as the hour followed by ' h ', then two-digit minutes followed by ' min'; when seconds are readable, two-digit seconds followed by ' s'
3 h 55 min
